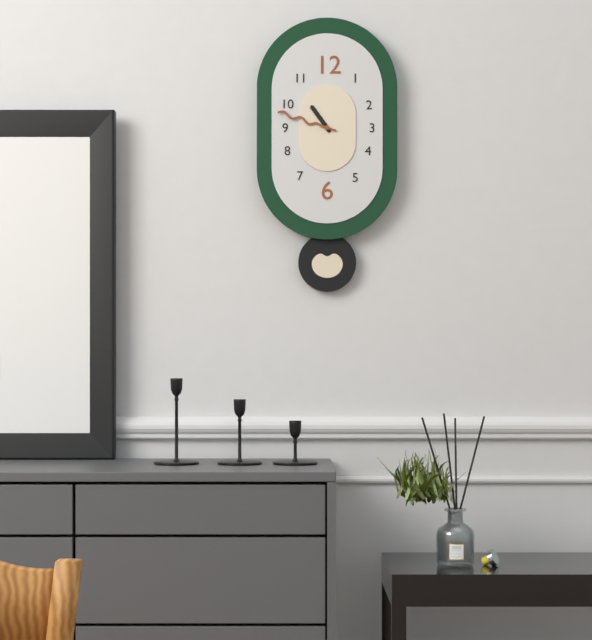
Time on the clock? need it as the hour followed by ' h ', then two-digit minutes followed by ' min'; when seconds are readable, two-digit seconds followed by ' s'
10 h 48 min
